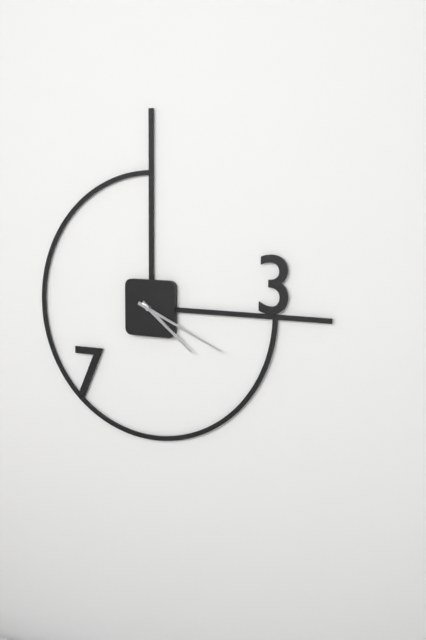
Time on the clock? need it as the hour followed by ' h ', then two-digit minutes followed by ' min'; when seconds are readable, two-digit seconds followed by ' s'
4 h 19 min
